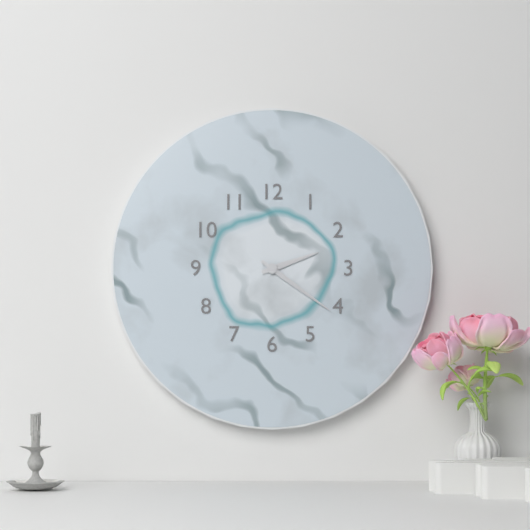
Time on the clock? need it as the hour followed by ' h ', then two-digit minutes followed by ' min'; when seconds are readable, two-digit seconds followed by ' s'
2 h 21 min
